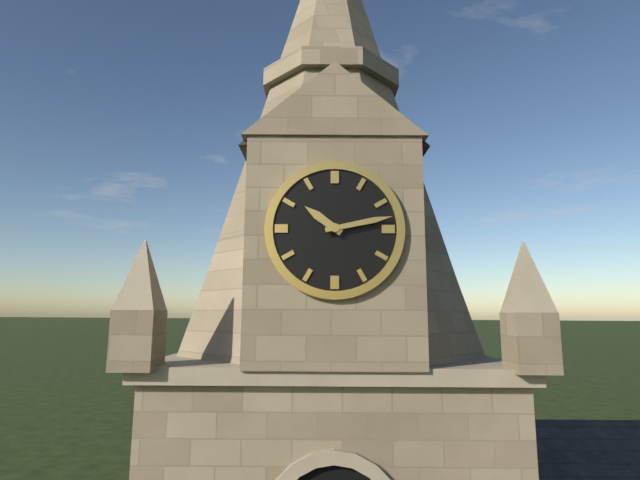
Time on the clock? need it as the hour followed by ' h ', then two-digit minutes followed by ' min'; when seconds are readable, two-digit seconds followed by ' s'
10 h 13 min
